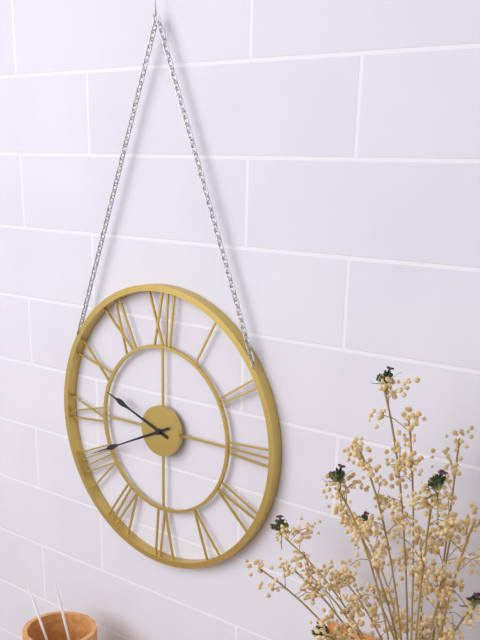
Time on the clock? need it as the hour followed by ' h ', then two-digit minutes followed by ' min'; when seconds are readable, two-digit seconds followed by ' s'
9 h 41 min
